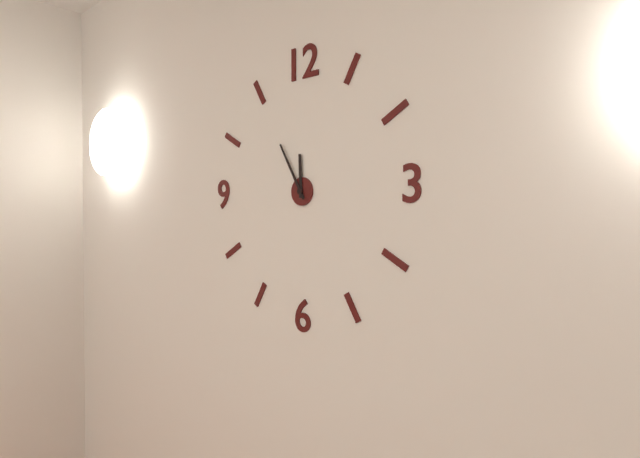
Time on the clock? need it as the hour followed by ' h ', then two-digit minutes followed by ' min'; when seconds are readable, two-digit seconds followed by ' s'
11 h 55 min
